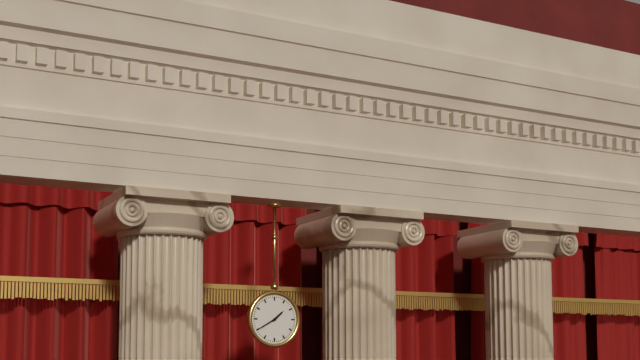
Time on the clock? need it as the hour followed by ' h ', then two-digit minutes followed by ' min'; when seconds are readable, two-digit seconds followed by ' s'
1 h 40 min
